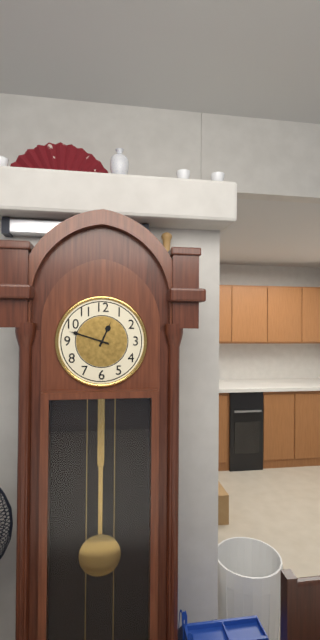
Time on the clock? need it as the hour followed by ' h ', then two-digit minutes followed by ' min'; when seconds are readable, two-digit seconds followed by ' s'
12 h 48 min
